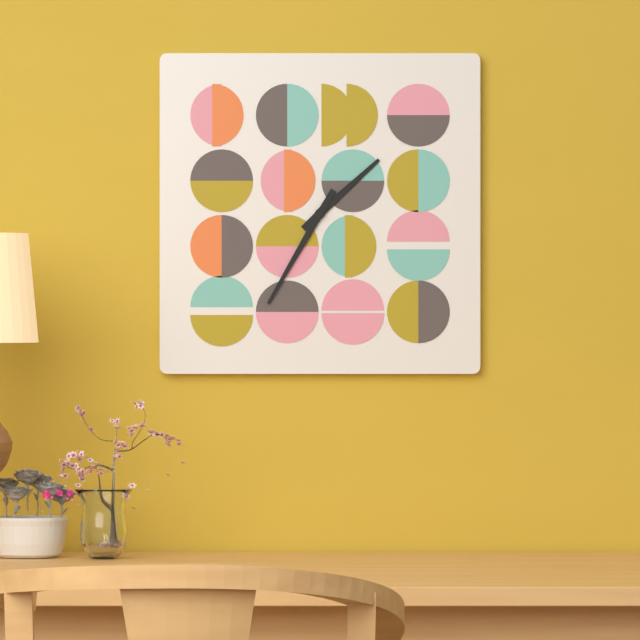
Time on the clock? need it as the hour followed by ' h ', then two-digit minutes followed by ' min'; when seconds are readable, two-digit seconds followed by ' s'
1 h 35 min
